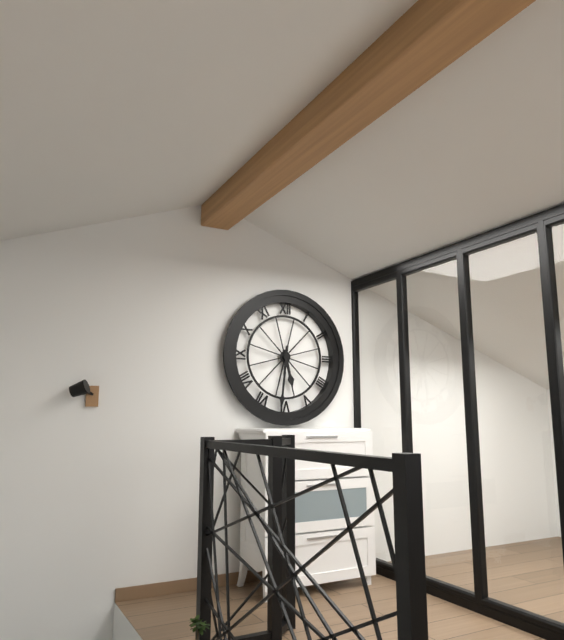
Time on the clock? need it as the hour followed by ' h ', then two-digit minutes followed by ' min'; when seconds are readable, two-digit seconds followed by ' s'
5 h 31 min
